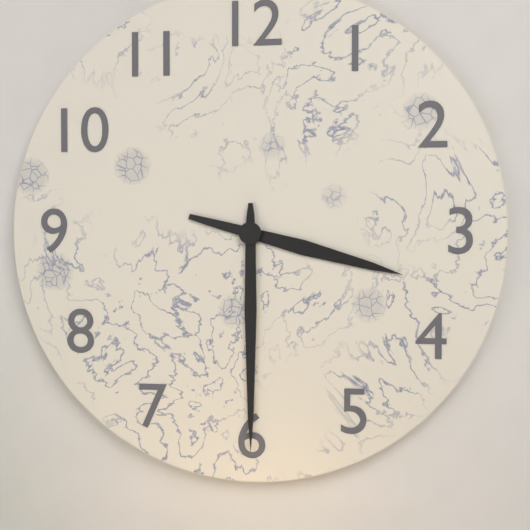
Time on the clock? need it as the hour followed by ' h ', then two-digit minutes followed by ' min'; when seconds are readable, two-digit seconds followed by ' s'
3 h 30 min
